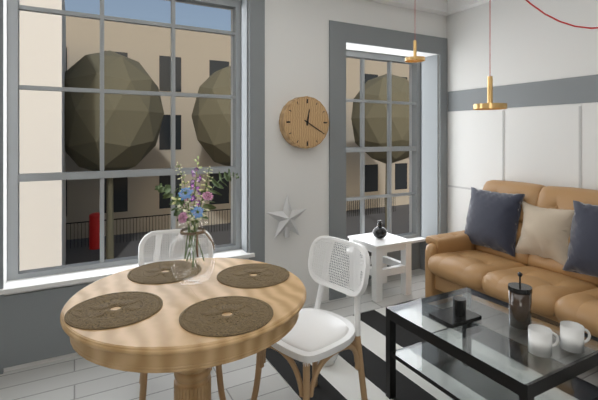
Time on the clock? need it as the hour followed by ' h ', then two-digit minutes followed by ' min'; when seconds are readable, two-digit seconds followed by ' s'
12 h 20 min
